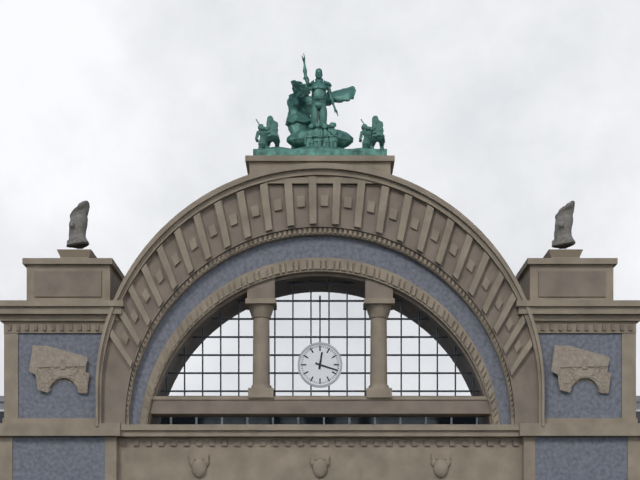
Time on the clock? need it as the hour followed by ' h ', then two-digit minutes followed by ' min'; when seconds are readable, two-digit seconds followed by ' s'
12 h 18 min
